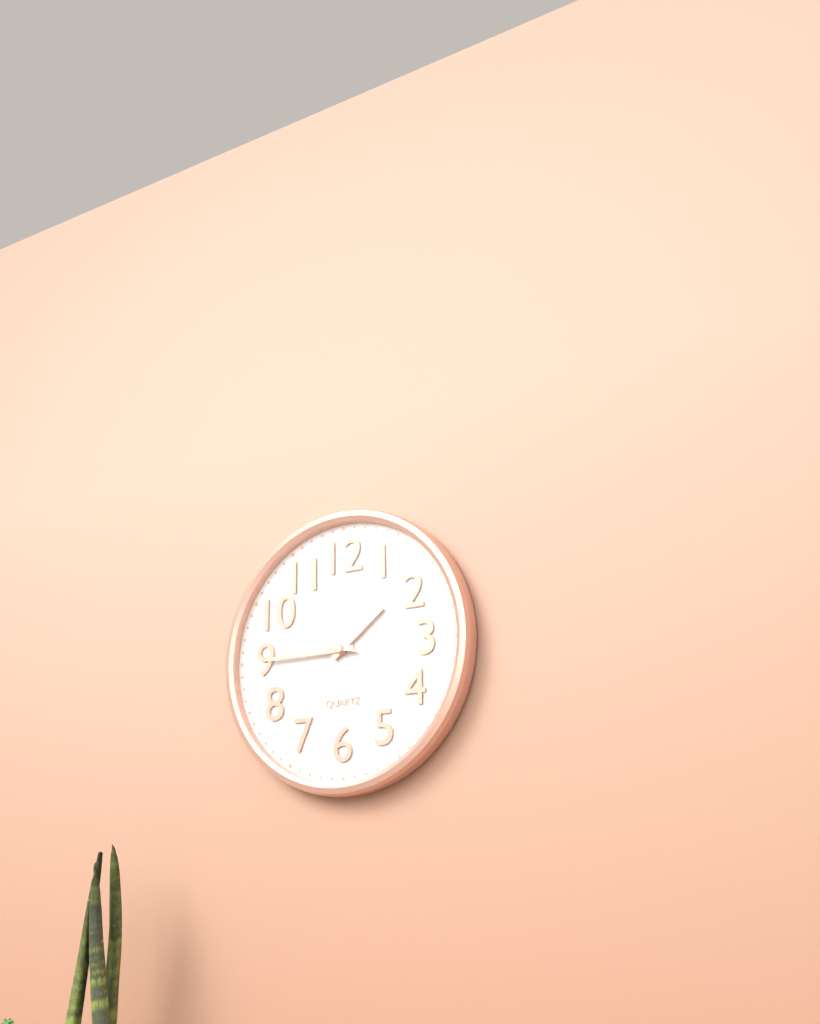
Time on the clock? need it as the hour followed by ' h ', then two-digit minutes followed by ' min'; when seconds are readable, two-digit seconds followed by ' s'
1 h 45 min 17 s
